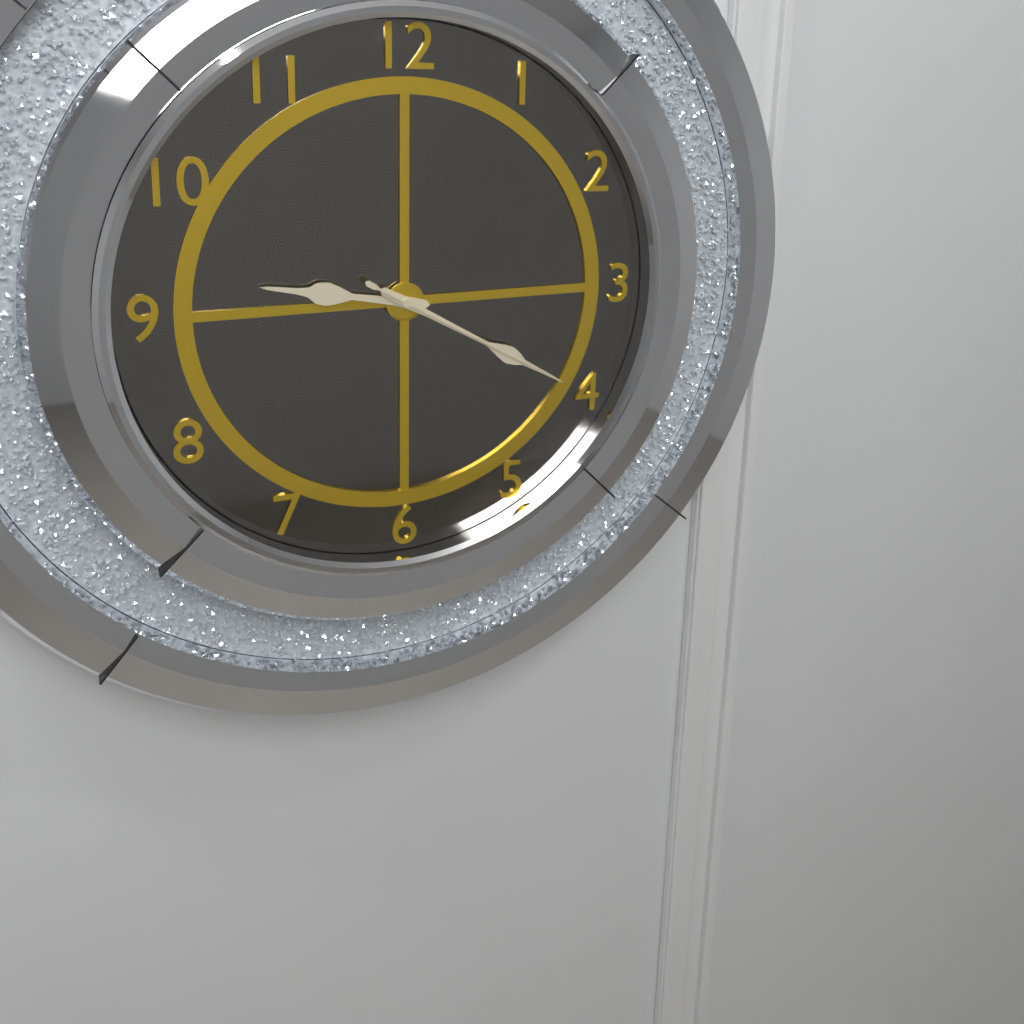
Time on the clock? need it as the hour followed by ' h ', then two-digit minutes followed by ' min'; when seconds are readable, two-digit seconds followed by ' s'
9 h 20 min 20 s
